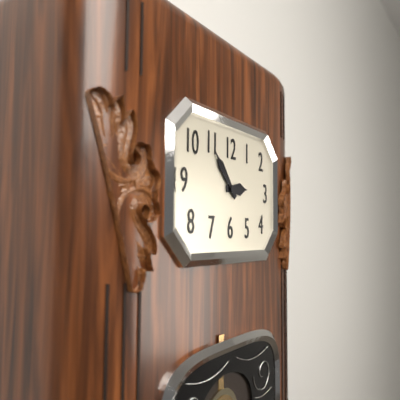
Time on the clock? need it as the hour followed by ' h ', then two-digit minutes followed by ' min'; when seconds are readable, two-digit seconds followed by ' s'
2 h 53 min
